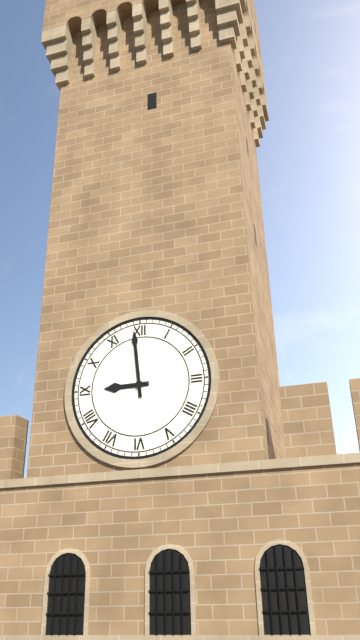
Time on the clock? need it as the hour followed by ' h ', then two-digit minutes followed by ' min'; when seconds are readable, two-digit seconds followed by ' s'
8 h 59 min
